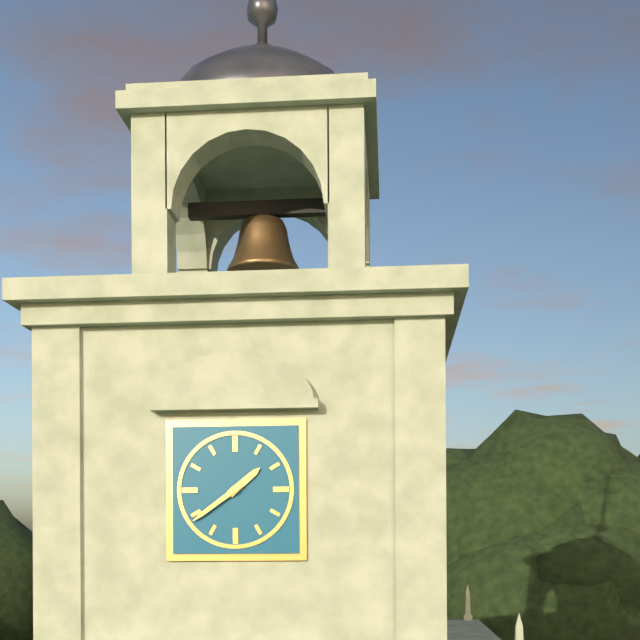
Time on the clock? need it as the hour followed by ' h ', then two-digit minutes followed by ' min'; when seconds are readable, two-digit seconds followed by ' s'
1 h 39 min
